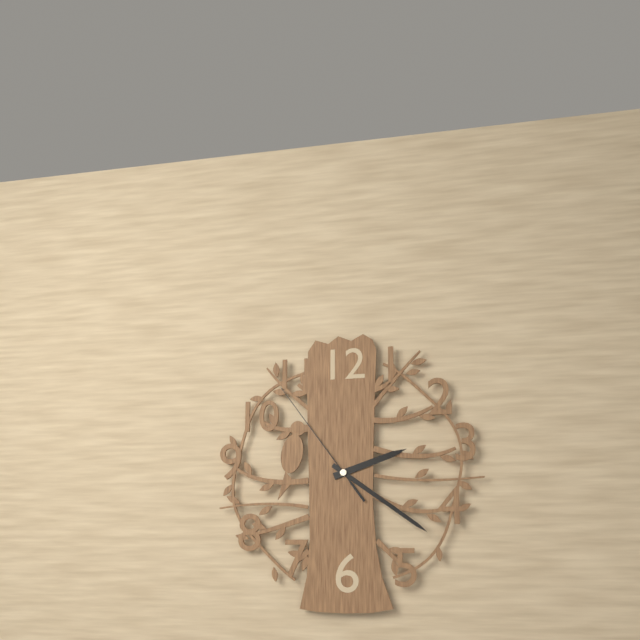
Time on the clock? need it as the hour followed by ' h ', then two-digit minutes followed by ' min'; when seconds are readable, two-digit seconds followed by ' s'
2 h 21 min 54 s
